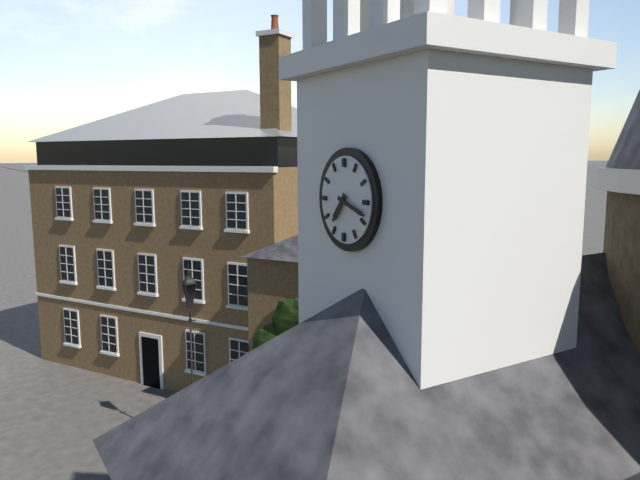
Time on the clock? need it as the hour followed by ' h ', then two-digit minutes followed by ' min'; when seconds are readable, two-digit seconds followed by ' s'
7 h 18 min
